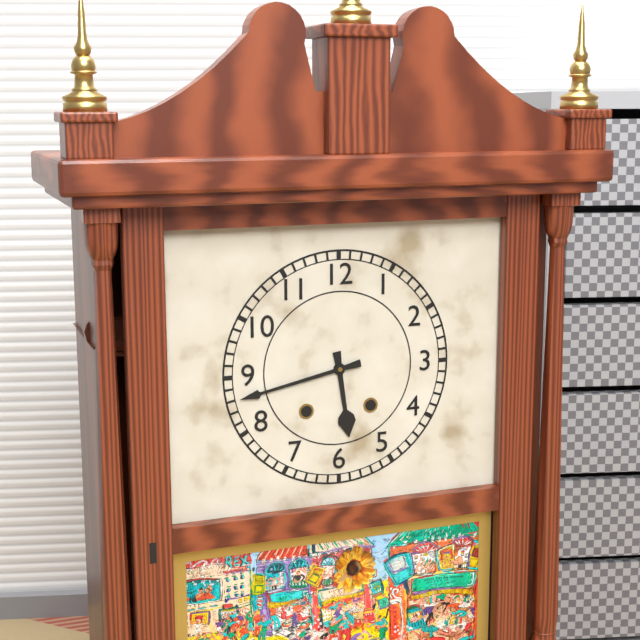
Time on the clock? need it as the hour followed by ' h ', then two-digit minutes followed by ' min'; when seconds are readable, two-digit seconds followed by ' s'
5 h 43 min
